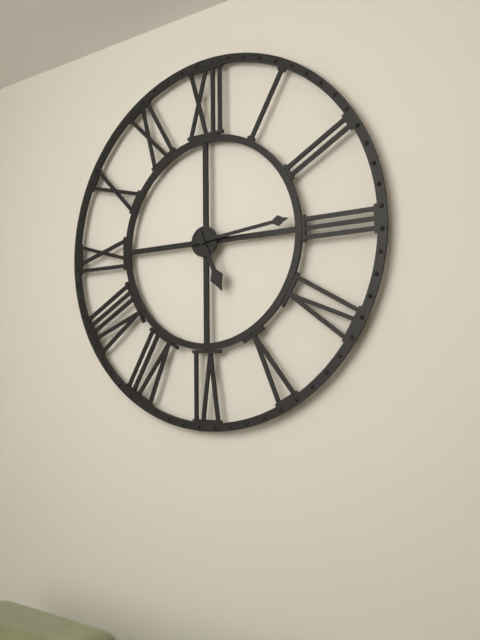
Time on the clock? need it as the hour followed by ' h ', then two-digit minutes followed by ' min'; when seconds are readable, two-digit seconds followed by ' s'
5 h 14 min
